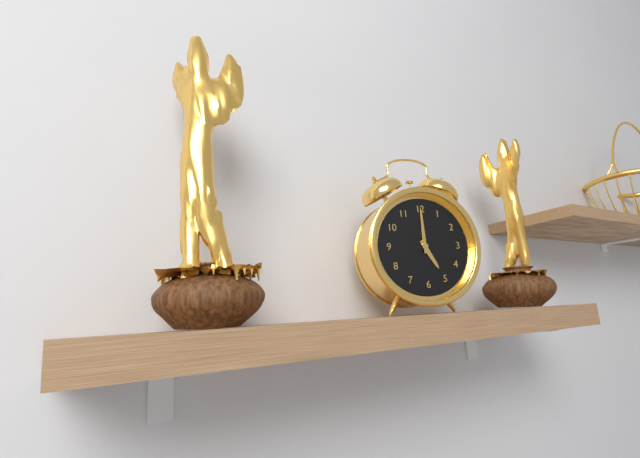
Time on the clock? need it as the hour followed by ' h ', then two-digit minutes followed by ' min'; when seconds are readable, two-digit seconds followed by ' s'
5 h 00 min
